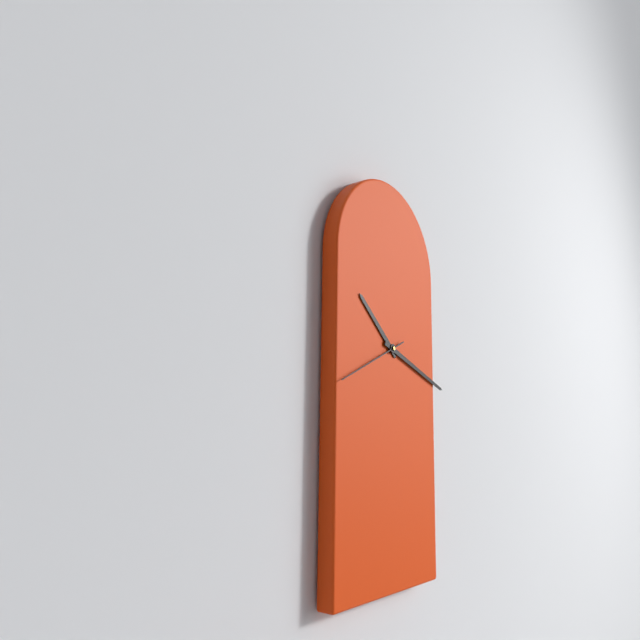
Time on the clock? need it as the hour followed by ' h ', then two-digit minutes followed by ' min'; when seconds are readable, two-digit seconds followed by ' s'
10 h 18 min 41 s
